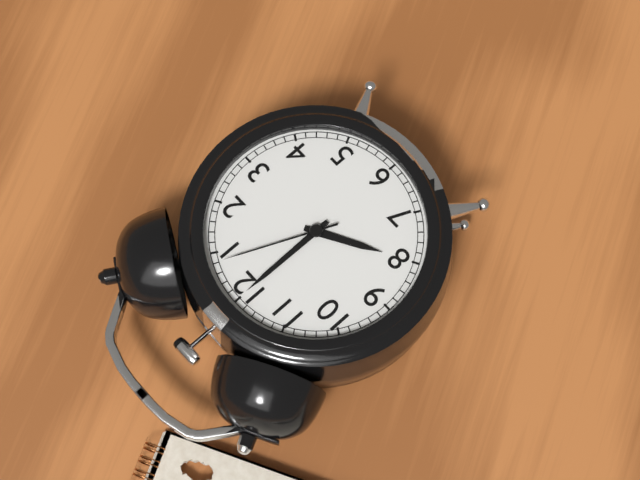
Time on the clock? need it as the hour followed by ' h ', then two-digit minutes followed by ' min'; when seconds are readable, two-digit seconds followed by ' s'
8 h 00 min 04 s
